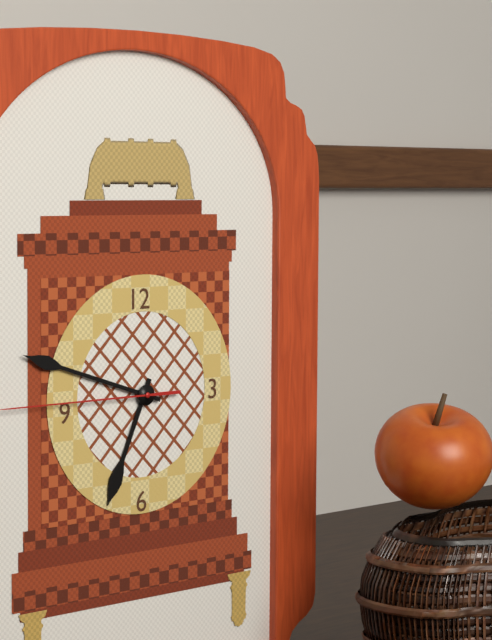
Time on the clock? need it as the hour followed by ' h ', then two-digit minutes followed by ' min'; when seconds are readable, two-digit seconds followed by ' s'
6 h 48 min
